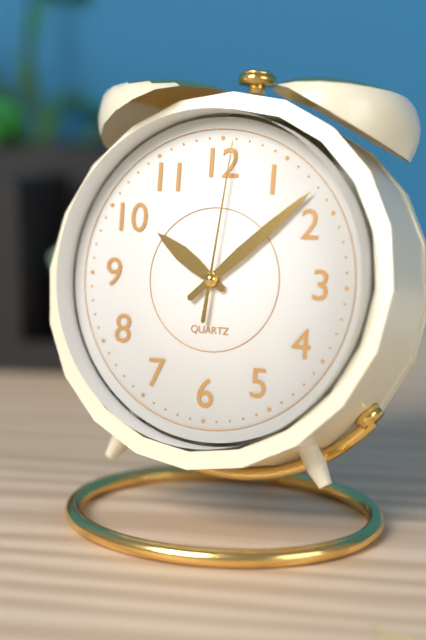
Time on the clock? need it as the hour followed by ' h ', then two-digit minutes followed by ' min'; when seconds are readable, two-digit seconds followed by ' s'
10 h 08 min 01 s
